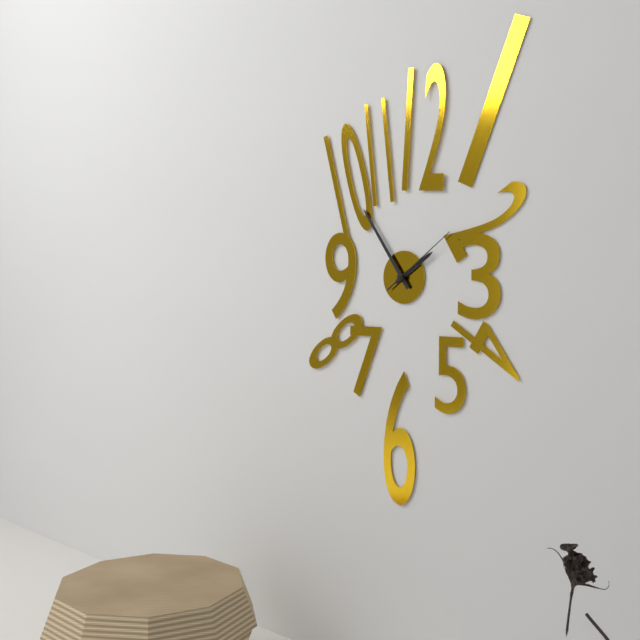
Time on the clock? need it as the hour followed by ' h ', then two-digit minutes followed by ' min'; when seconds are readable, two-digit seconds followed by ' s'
1 h 54 min 09 s
